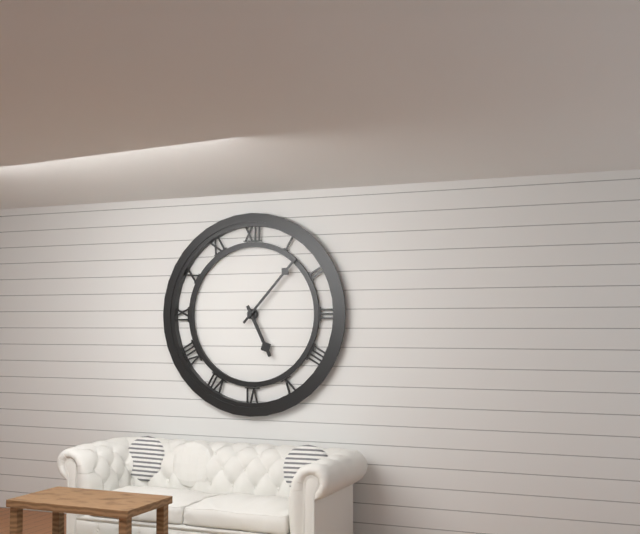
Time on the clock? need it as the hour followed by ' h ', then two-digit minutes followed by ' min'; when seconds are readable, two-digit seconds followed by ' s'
5 h 07 min
